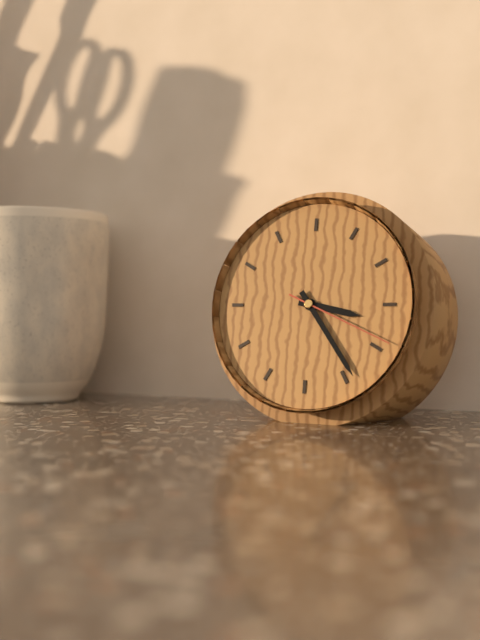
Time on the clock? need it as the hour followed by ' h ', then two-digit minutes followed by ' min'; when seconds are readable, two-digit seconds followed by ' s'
3 h 24 min 19 s
